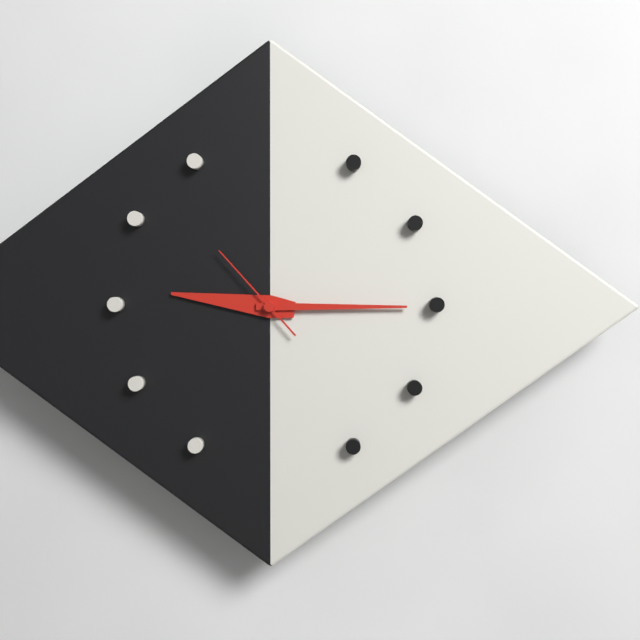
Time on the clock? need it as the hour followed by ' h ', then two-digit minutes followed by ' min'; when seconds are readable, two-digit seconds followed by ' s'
9 h 15 min 53 s
